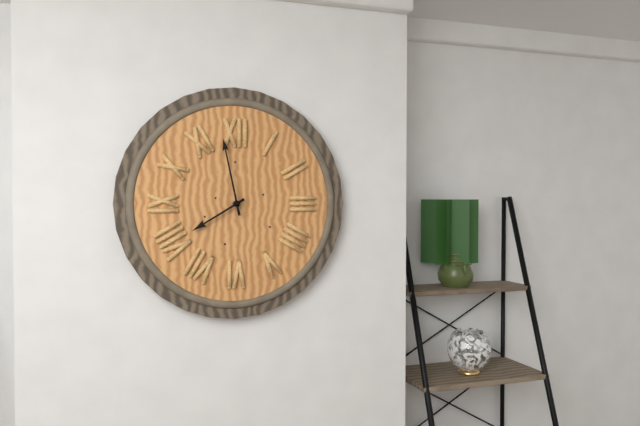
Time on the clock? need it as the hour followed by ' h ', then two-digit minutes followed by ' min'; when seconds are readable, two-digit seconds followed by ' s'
7 h 58 min
